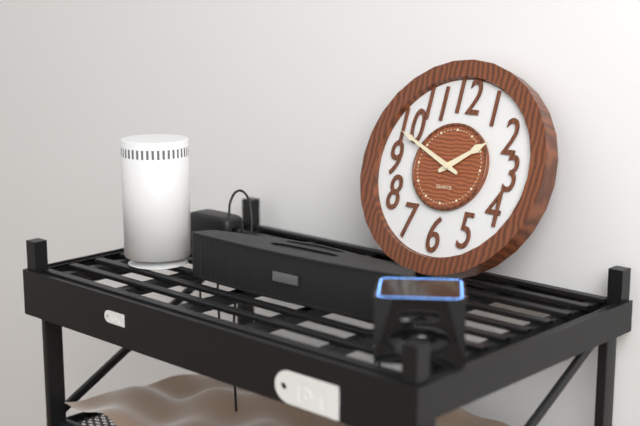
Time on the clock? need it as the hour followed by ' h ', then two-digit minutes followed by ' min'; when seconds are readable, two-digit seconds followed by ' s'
1 h 49 min
